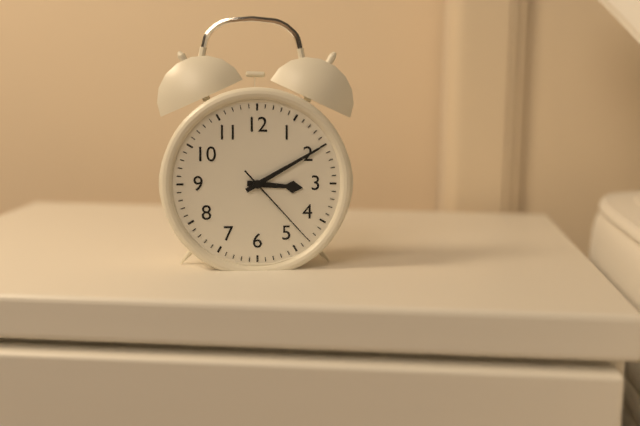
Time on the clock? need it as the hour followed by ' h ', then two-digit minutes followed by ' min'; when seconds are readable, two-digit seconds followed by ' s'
3 h 10 min 23 s
